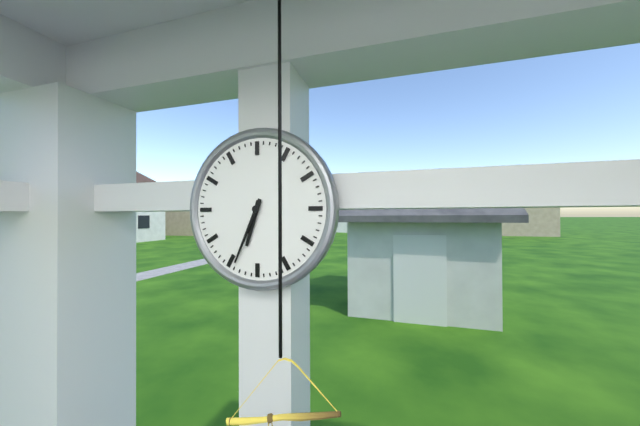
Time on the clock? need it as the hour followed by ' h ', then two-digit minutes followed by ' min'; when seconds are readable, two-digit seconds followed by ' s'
6 h 34 min
